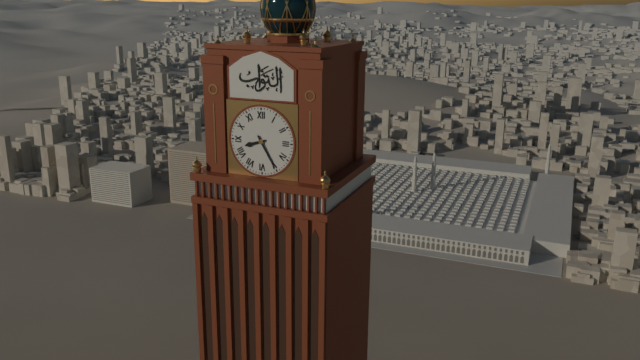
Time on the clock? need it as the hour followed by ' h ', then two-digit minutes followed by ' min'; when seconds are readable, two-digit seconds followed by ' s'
8 h 25 min
